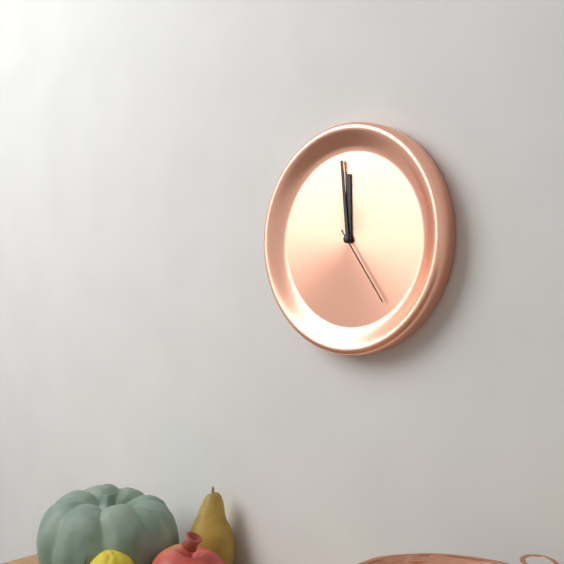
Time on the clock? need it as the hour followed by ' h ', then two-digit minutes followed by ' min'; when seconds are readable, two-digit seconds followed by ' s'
11 h 59 min 24 s
